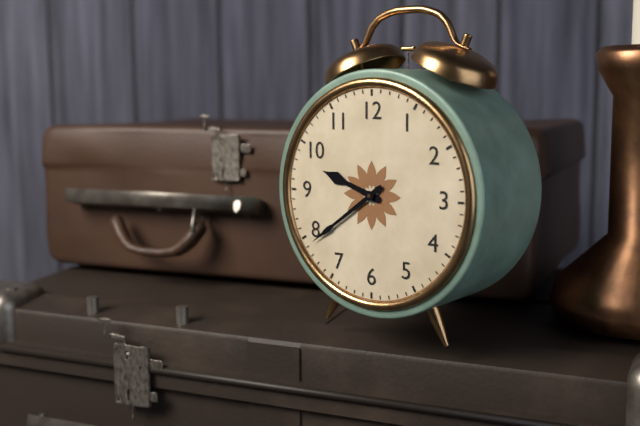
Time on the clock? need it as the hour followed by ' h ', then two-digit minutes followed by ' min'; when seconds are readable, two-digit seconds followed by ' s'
9 h 39 min
